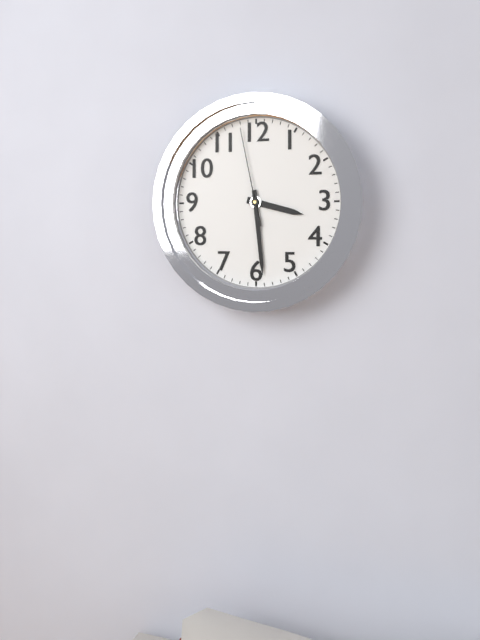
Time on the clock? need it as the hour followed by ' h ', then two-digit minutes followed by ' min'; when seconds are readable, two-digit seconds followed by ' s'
3 h 29 min 58 s
